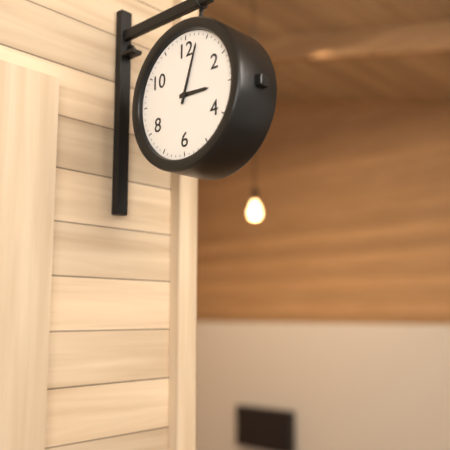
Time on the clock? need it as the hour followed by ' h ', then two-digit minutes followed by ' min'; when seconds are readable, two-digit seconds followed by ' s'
3 h 03 min
